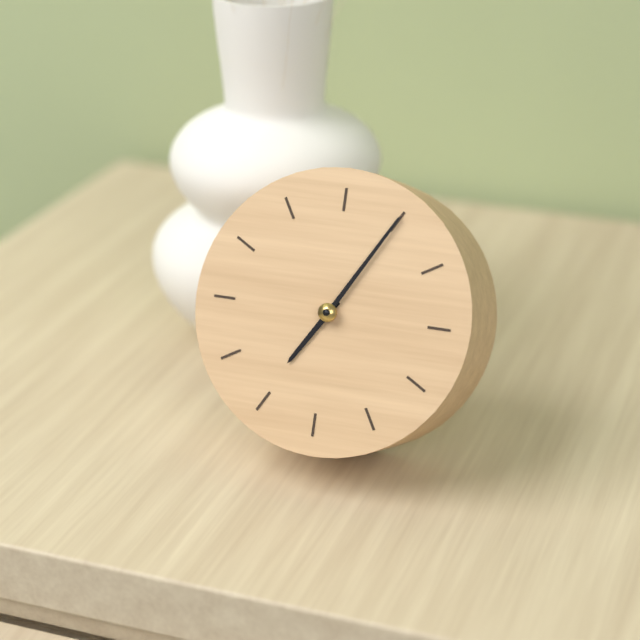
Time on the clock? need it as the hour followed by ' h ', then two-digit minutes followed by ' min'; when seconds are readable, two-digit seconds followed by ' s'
7 h 05 min
